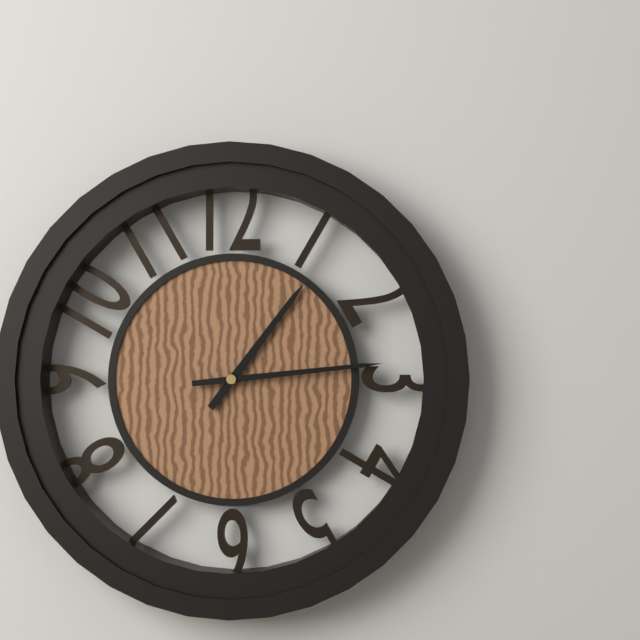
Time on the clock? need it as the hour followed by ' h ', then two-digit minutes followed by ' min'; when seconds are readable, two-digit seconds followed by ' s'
1 h 14 min
